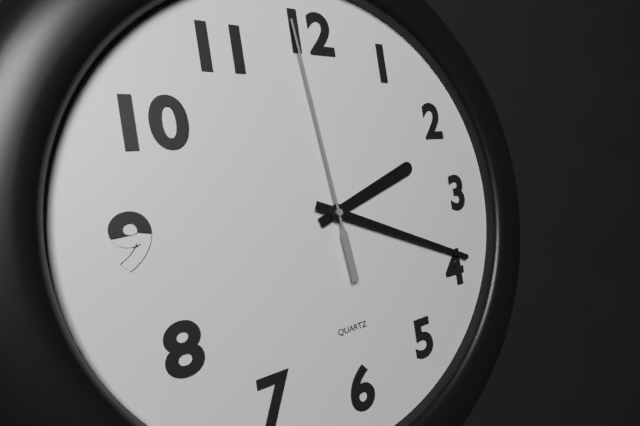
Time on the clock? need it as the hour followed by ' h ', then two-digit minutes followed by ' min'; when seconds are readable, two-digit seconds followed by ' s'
2 h 19 min 59 s
